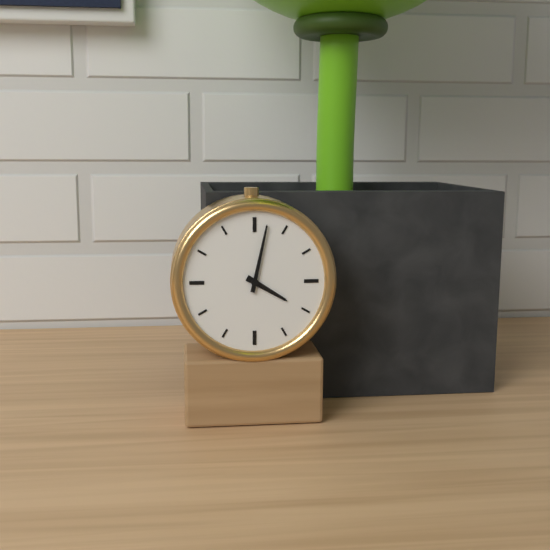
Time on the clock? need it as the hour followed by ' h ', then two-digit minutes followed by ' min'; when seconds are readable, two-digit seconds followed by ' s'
4 h 02 min
